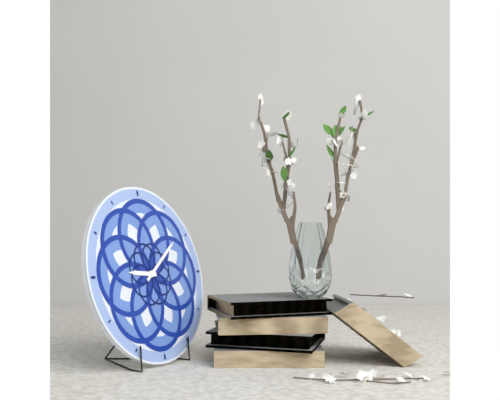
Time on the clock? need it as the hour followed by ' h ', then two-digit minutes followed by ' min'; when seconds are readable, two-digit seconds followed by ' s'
9 h 09 min
